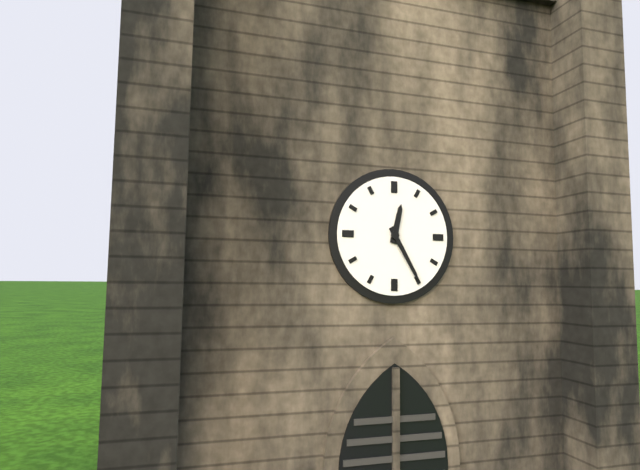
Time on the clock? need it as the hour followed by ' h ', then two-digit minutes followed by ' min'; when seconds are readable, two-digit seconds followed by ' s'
12 h 25 min
